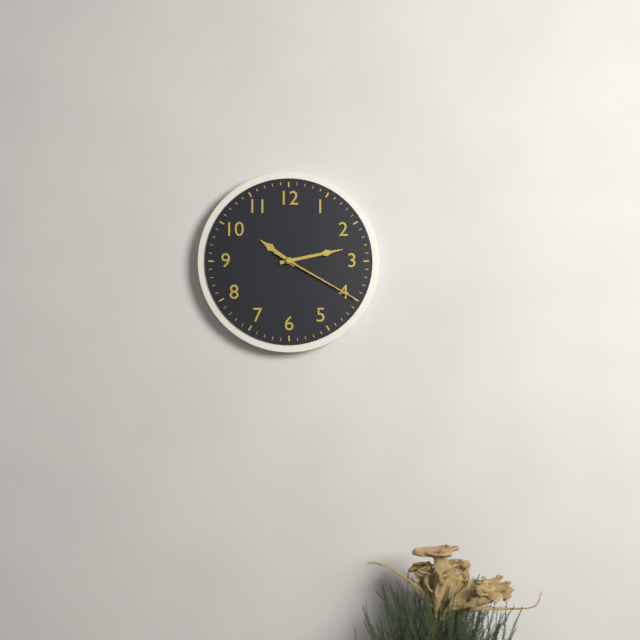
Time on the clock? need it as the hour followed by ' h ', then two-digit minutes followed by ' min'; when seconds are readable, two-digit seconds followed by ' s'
10 h 13 min 20 s
